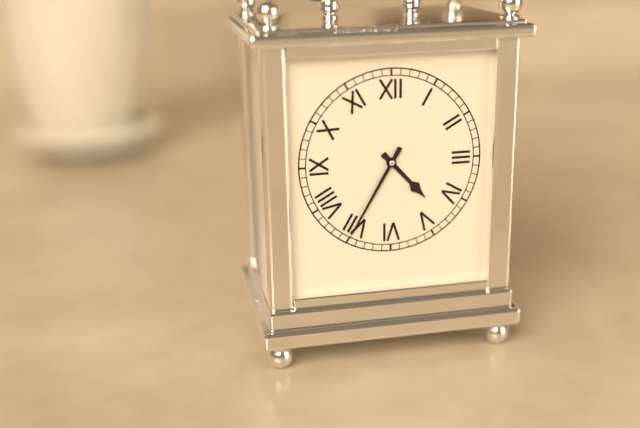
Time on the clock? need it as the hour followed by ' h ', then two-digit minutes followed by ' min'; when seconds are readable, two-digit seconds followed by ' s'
4 h 35 min
